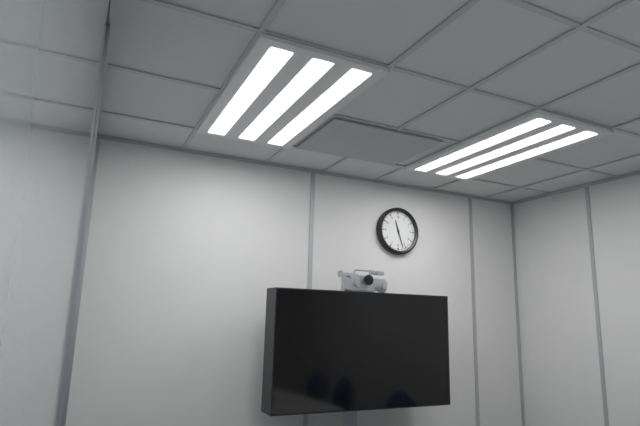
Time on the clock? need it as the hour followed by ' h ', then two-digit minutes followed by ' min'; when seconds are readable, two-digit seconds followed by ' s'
11 h 27 min
